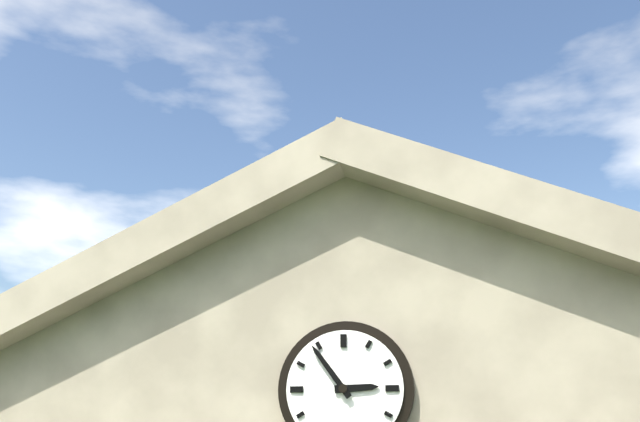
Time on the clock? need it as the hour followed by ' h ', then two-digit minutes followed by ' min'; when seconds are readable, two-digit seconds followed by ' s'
2 h 54 min
